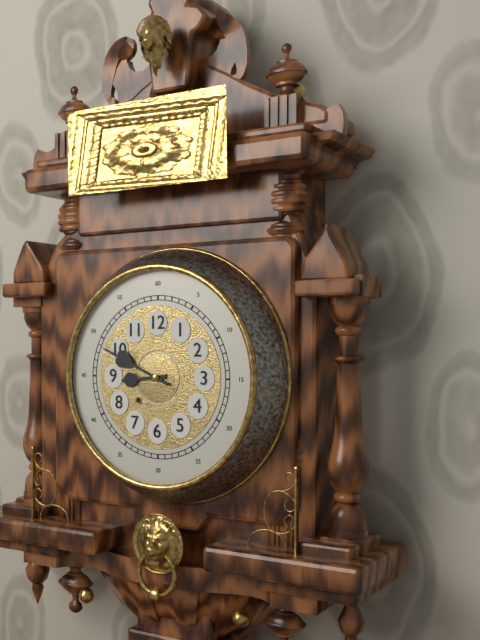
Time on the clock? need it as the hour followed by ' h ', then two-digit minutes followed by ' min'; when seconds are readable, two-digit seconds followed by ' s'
8 h 49 min
